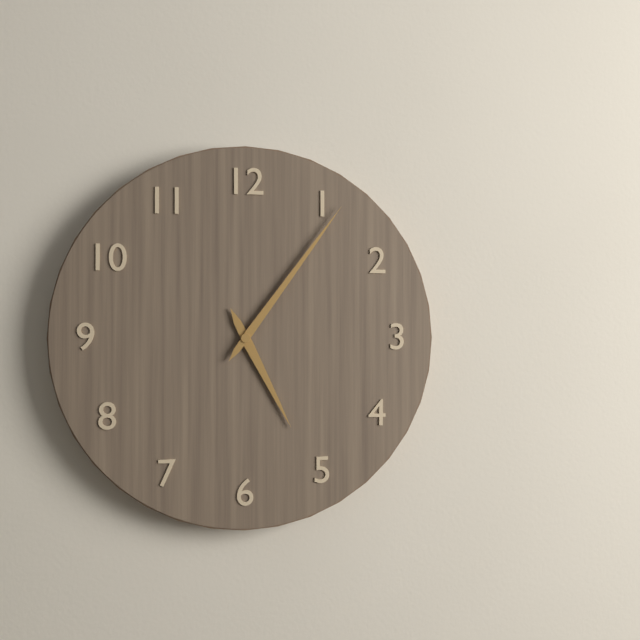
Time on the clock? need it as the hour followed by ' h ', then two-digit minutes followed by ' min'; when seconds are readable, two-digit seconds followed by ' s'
5 h 06 min
